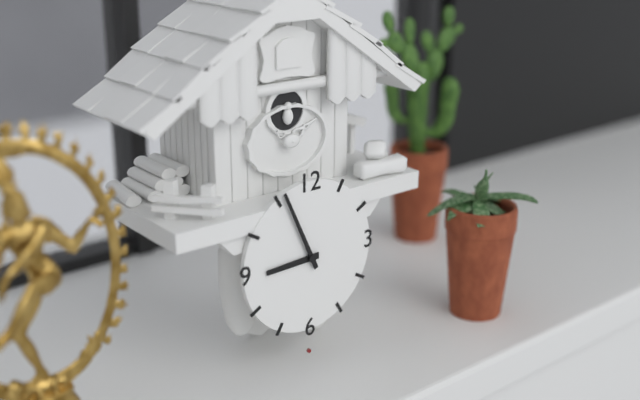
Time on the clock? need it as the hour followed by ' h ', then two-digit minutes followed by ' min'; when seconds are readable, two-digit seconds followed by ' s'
8 h 56 min
